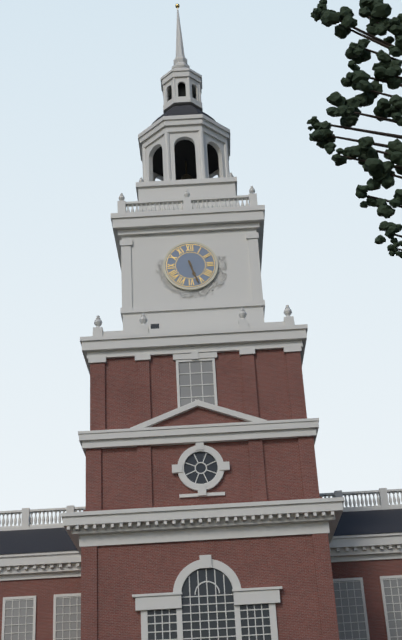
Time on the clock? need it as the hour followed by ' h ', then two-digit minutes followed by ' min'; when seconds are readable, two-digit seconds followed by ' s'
5 h 27 min
